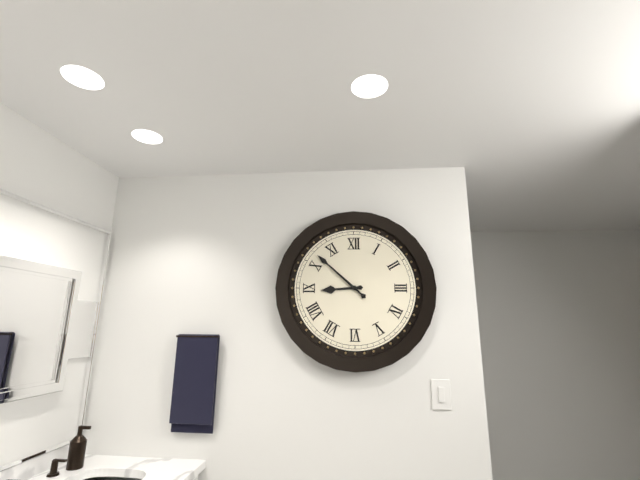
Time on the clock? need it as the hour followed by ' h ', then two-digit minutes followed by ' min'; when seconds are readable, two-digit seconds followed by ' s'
8 h 52 min
